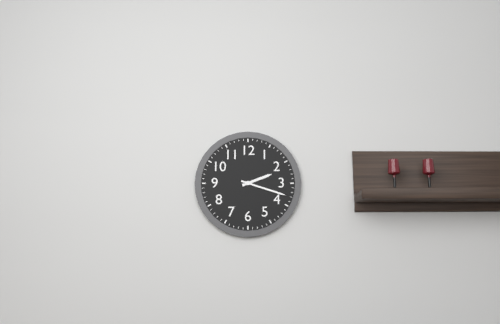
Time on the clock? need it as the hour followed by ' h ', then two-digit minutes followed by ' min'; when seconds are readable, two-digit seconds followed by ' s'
2 h 18 min
